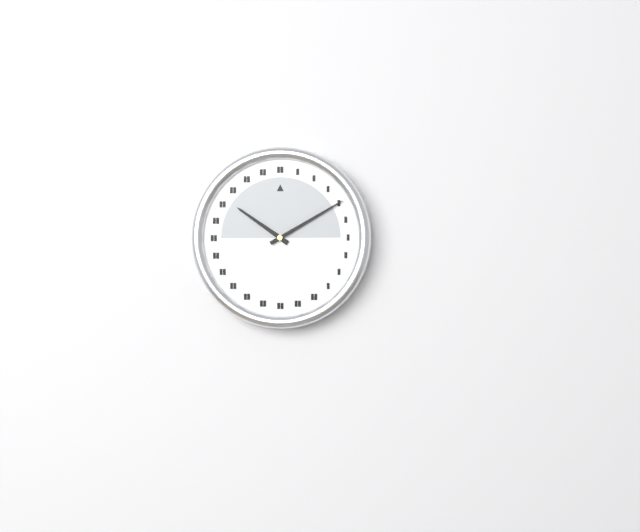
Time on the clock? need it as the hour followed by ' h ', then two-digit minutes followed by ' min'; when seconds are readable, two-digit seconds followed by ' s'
10 h 10 min
